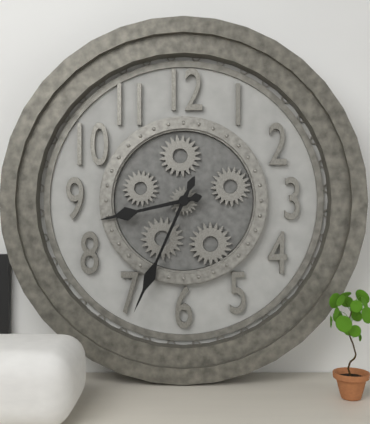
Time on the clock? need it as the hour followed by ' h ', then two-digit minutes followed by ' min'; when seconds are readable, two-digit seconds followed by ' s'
8 h 34 min
